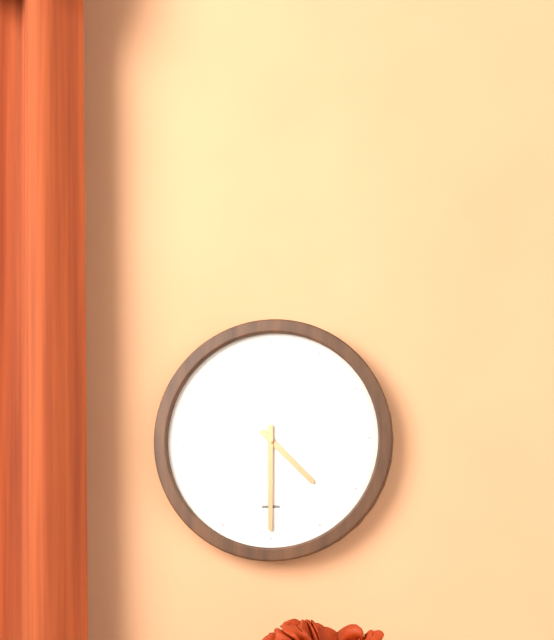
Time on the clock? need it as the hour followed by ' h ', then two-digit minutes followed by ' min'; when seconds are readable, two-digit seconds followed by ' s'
4 h 30 min
